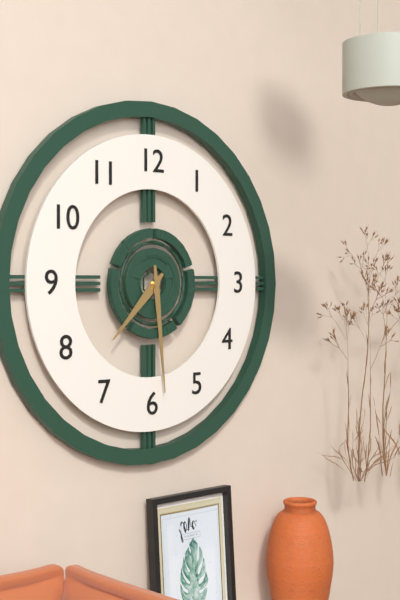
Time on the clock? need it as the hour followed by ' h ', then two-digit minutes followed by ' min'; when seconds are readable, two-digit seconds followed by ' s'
7 h 29 min
